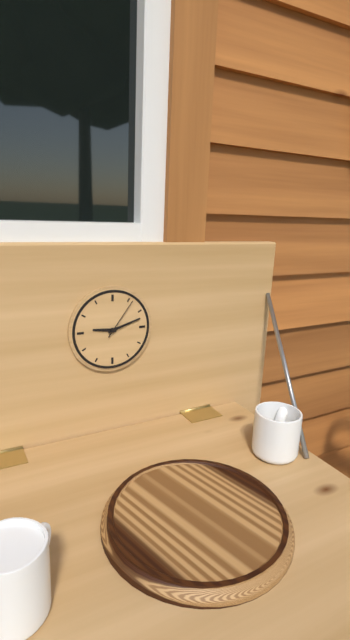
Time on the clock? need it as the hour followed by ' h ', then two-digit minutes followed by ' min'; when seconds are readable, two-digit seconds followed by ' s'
9 h 12 min
